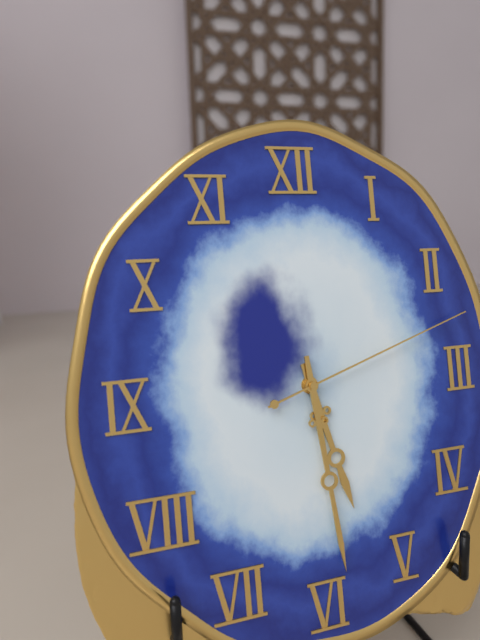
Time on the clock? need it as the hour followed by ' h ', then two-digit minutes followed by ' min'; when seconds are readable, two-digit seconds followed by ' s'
5 h 29 min 12 s
